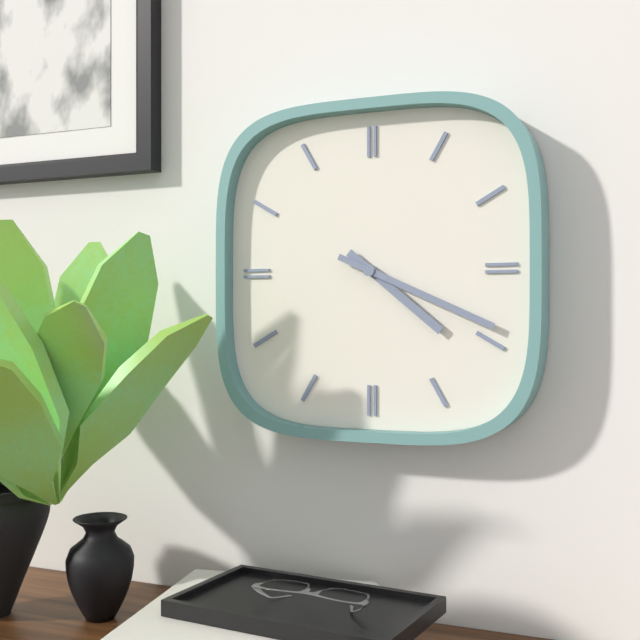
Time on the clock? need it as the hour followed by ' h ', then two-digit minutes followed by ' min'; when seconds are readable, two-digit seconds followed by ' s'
4 h 19 min
